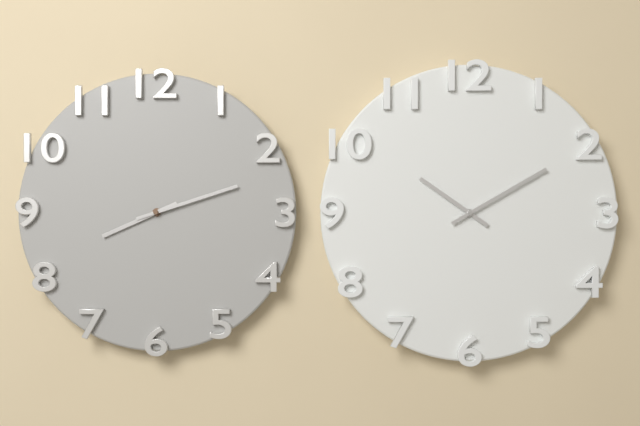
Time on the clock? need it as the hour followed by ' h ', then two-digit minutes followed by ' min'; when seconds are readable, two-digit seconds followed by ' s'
8 h 12 min
